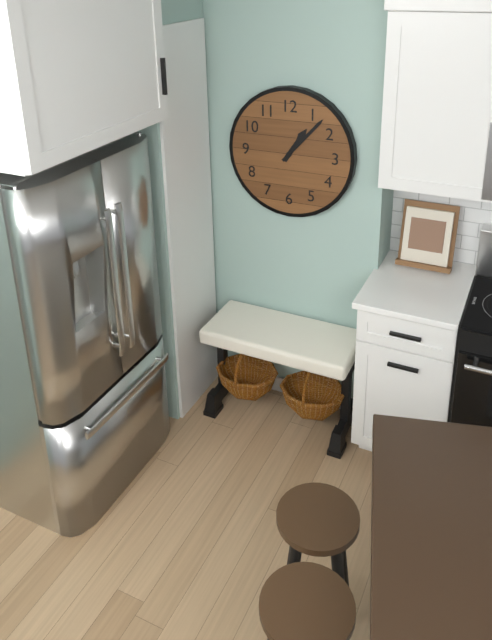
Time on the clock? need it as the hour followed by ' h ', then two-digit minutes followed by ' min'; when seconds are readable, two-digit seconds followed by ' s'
1 h 07 min
